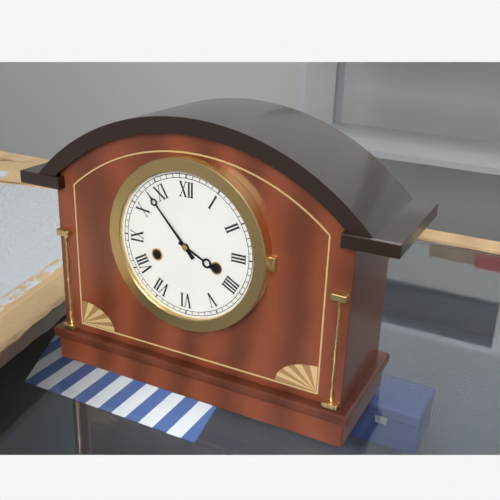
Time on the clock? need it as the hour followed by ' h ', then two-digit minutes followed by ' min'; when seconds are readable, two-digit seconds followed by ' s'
3 h 53 min
